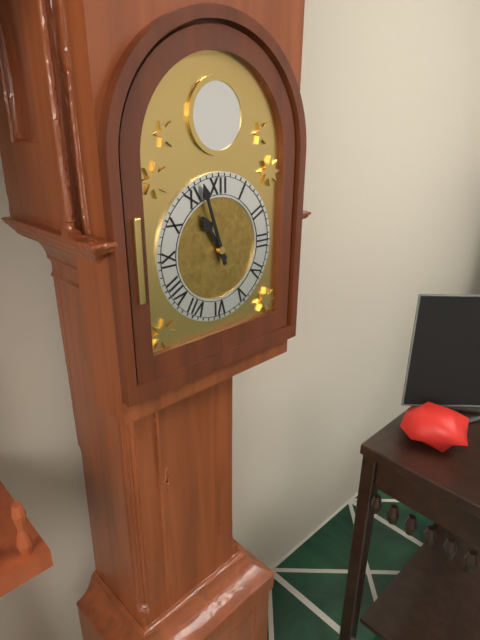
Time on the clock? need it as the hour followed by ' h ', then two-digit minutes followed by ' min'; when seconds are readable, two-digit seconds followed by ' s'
10 h 57 min
